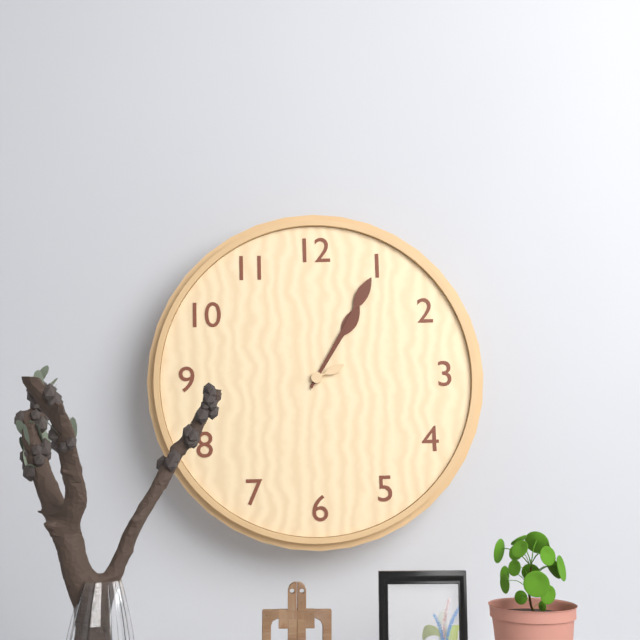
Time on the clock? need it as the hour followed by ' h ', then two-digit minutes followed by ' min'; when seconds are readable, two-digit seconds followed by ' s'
1 h 05 min
